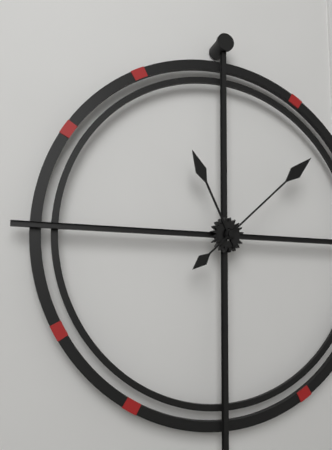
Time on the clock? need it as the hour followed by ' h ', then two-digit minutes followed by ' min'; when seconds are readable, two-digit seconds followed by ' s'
11 h 08 min
